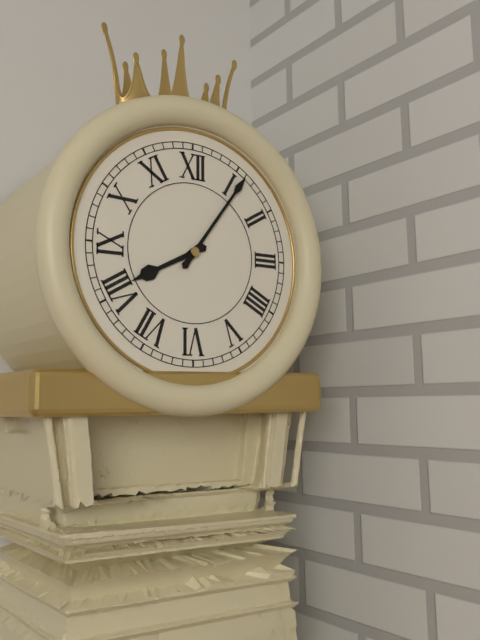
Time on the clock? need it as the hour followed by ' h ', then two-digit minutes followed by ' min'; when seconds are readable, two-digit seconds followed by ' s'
8 h 06 min
